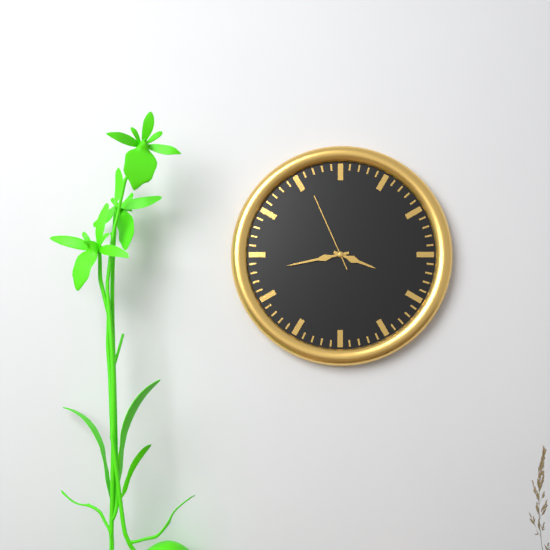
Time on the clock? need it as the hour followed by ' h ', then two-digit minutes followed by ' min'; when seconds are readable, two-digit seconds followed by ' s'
3 h 43 min 56 s
